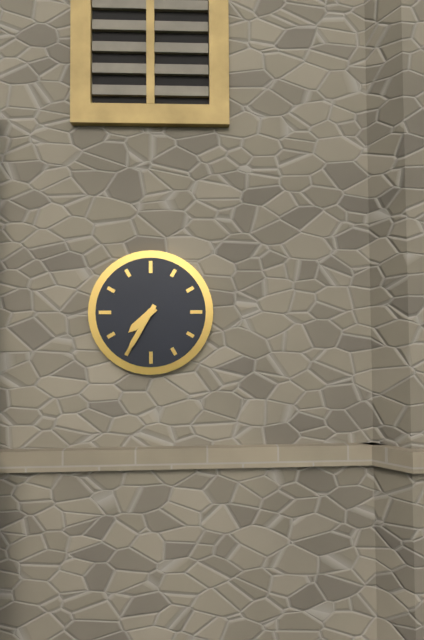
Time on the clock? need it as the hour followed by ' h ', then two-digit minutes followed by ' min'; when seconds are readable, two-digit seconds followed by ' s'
7 h 35 min
